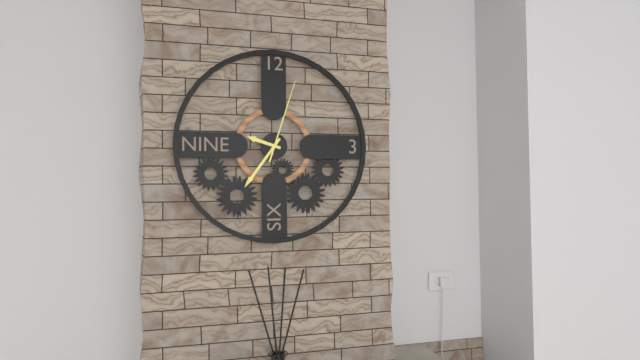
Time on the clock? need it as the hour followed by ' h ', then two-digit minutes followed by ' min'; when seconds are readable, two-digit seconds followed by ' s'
9 h 36 min 03 s
